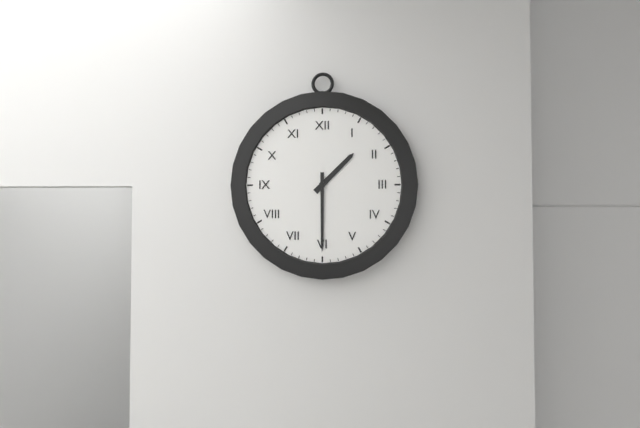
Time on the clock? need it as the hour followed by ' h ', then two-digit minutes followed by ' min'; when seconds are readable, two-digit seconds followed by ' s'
1 h 30 min
